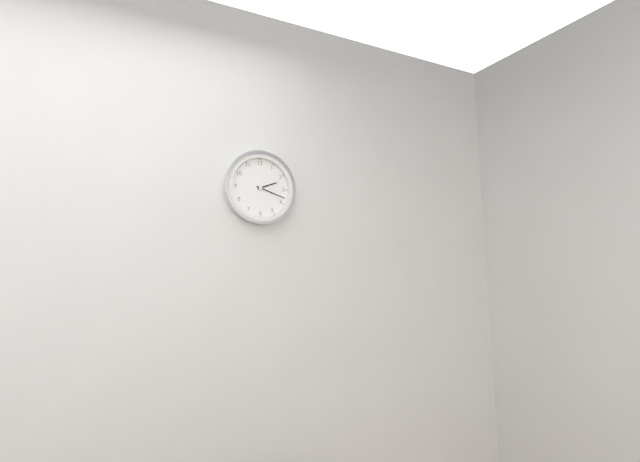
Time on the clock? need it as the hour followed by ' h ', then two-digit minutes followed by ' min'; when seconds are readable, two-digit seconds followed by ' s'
2 h 18 min
